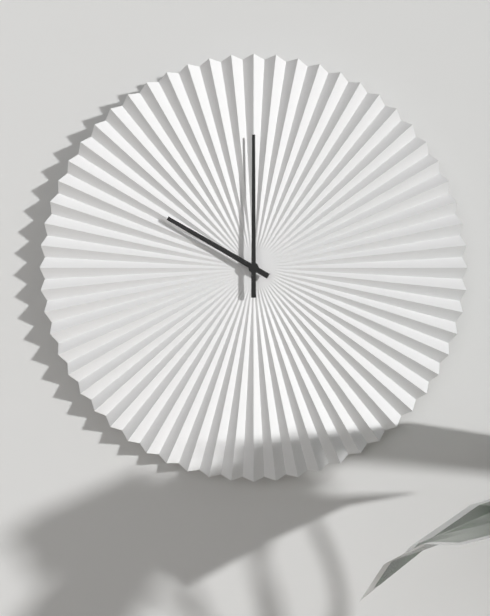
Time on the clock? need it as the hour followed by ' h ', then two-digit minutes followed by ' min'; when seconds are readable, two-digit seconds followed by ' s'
10 h 00 min
